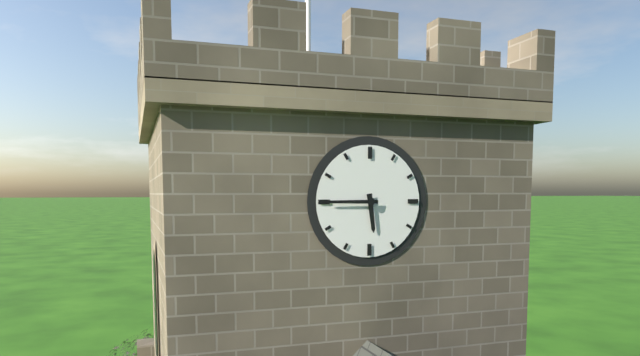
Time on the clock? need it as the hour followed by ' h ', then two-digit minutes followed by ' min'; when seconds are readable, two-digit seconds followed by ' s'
5 h 45 min
